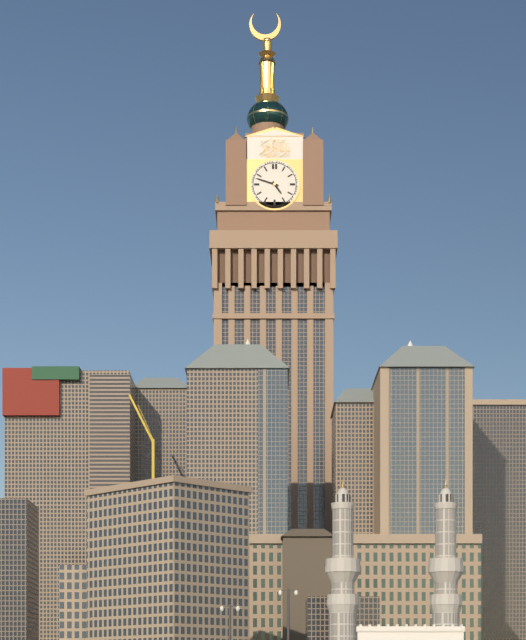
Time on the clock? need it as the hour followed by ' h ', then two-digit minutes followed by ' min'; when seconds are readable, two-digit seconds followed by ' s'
4 h 48 min
